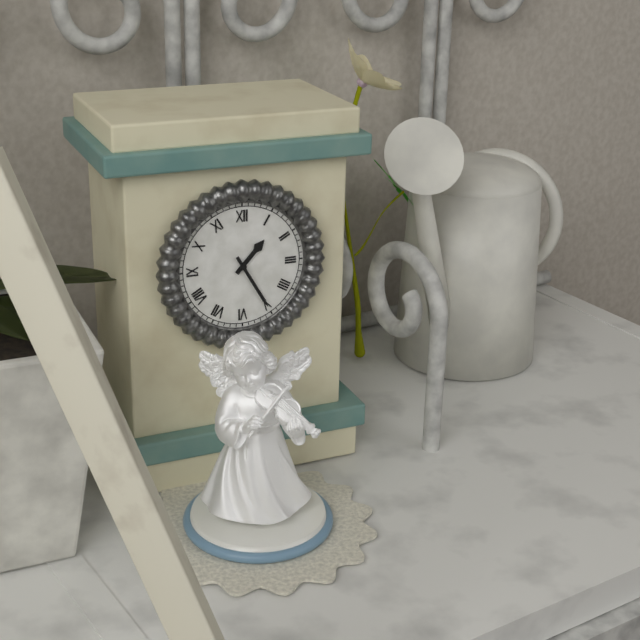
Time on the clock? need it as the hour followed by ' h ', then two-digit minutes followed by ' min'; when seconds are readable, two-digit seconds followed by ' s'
1 h 25 min
